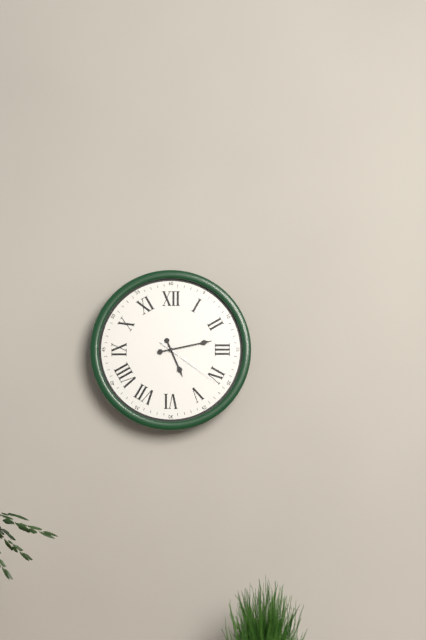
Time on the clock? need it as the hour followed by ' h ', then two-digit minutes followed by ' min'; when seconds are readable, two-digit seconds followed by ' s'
5 h 13 min 21 s
